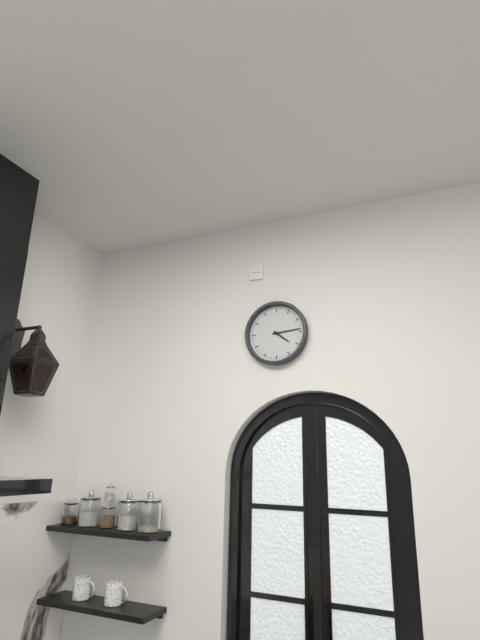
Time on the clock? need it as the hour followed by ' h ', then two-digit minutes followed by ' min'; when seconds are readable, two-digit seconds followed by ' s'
4 h 14 min
